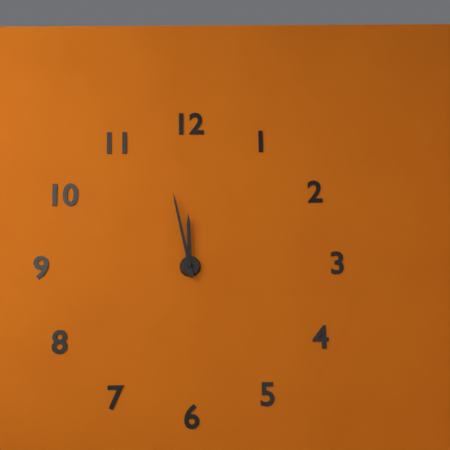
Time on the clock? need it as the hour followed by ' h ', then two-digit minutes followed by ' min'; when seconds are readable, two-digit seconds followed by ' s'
11 h 58 min
